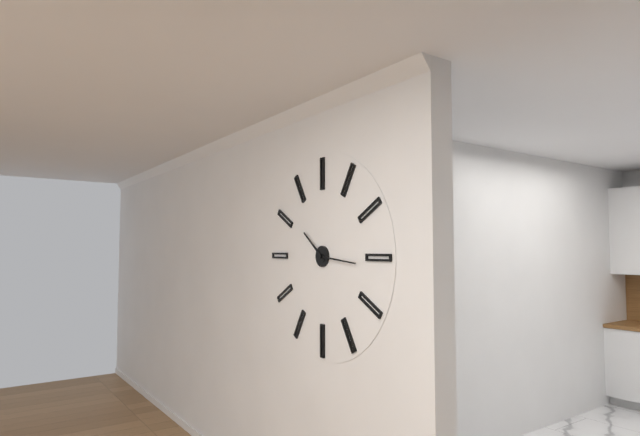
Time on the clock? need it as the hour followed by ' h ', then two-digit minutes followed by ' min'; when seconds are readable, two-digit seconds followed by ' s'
10 h 16 min
